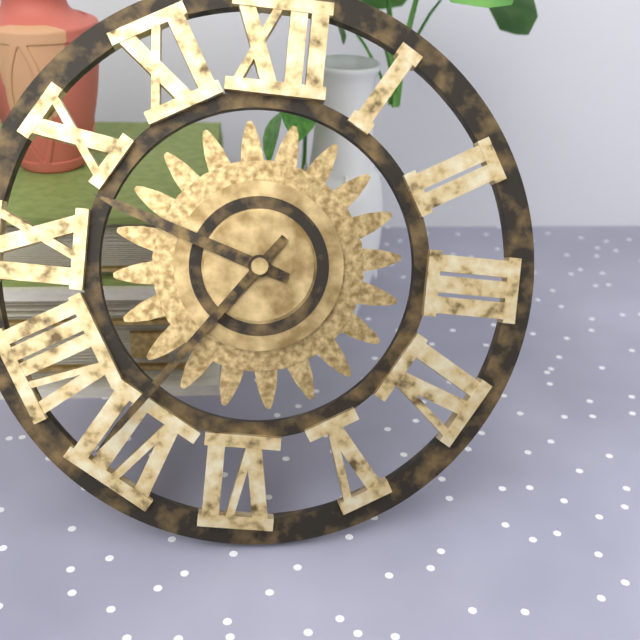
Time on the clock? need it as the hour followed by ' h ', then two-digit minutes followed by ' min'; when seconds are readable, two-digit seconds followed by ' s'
9 h 36 min
